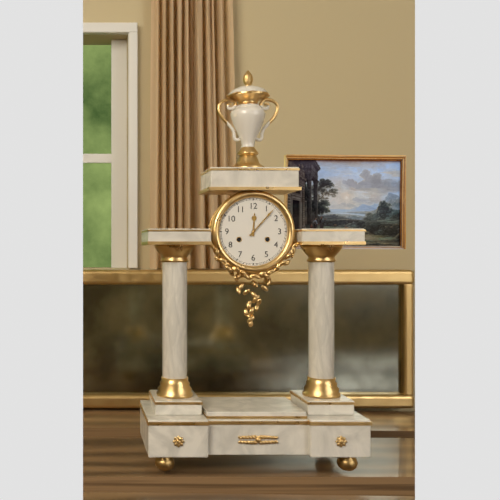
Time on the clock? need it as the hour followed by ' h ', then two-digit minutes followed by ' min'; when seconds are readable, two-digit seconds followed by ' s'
12 h 07 min
